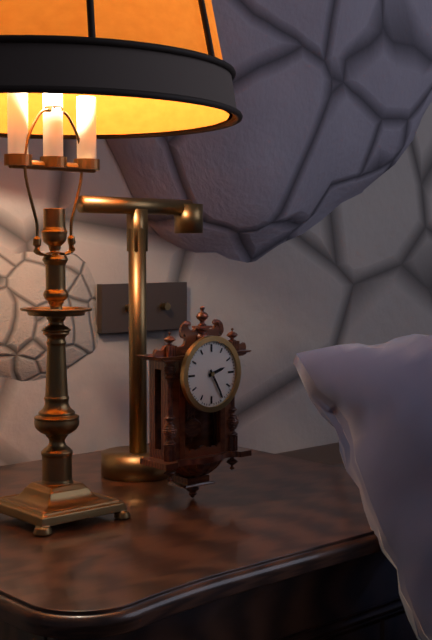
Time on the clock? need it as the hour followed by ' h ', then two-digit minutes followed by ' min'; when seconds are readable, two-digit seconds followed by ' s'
2 h 25 min
